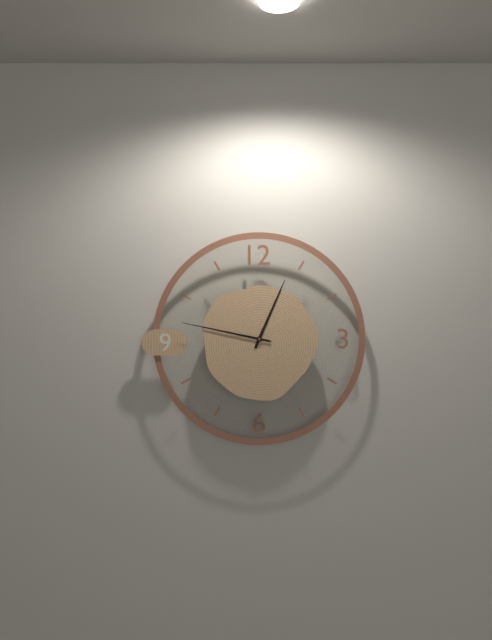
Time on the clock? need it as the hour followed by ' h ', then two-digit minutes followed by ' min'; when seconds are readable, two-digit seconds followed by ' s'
12 h 47 min
